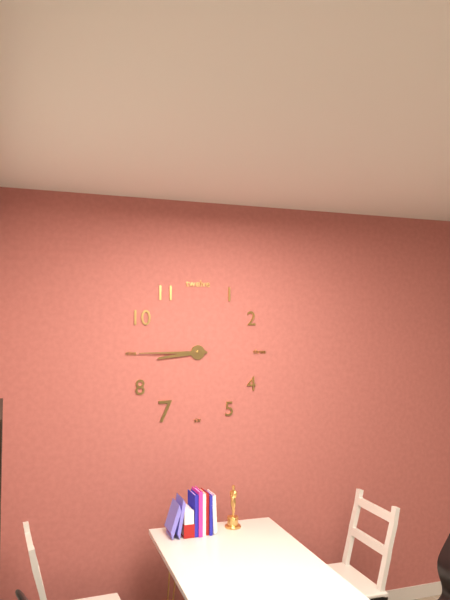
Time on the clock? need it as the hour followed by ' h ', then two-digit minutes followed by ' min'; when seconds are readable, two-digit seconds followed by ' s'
8 h 45 min
